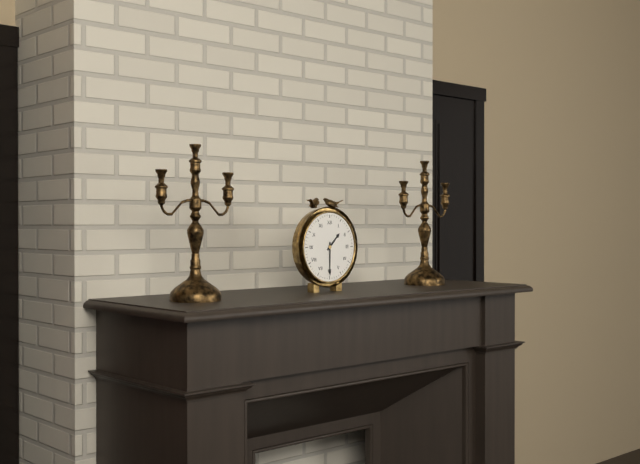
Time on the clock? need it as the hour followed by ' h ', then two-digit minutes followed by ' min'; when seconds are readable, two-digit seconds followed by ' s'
1 h 30 min
